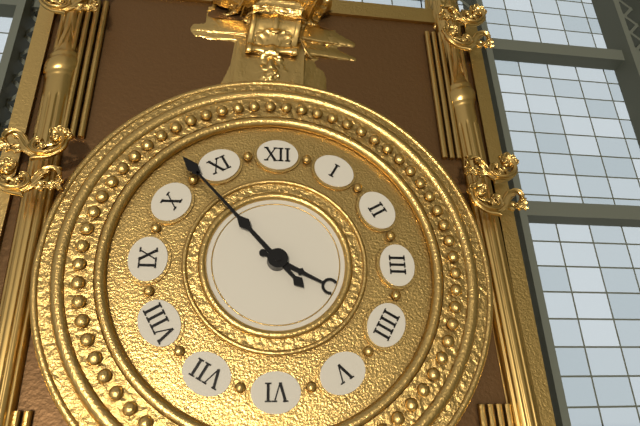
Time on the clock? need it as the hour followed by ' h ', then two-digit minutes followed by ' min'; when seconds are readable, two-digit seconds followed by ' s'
3 h 53 min
